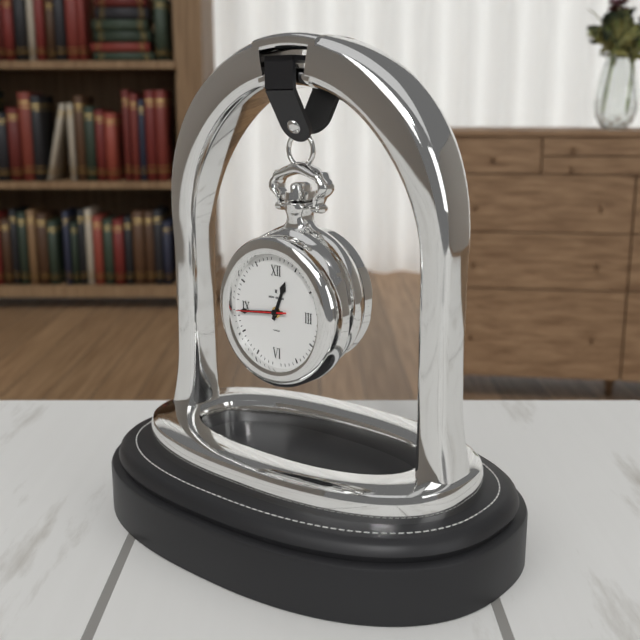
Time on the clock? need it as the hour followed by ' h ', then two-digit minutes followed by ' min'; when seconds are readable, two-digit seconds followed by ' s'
12 h 44 min 44 s
